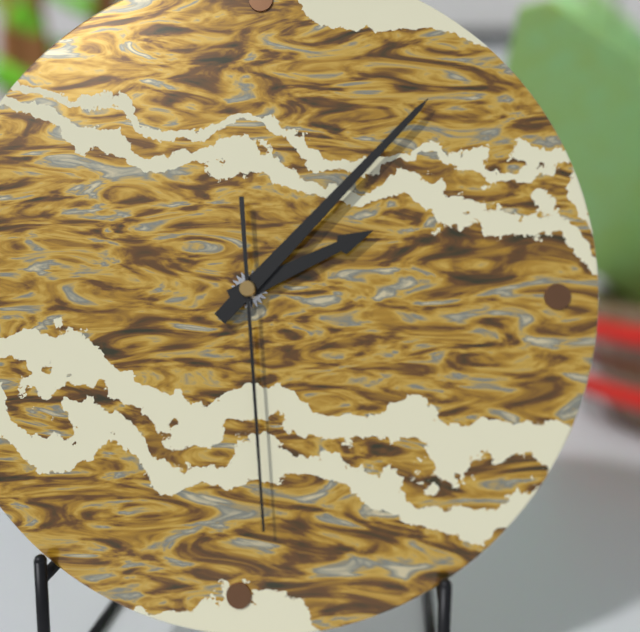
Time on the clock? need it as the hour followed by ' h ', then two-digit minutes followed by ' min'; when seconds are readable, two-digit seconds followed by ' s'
2 h 07 min 29 s
